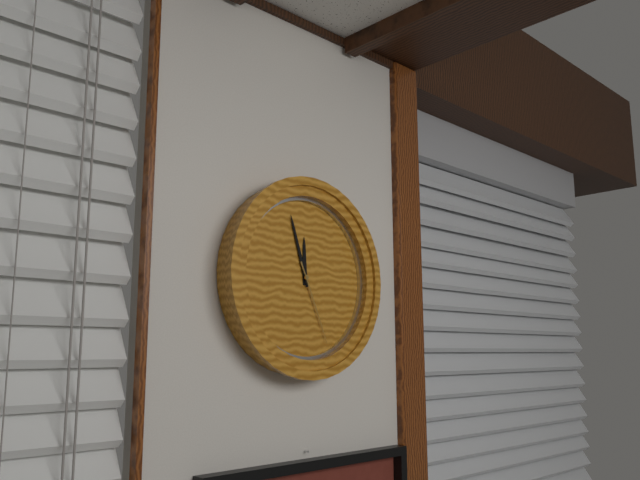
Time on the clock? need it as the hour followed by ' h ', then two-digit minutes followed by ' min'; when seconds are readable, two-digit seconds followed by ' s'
11 h 57 min 26 s
